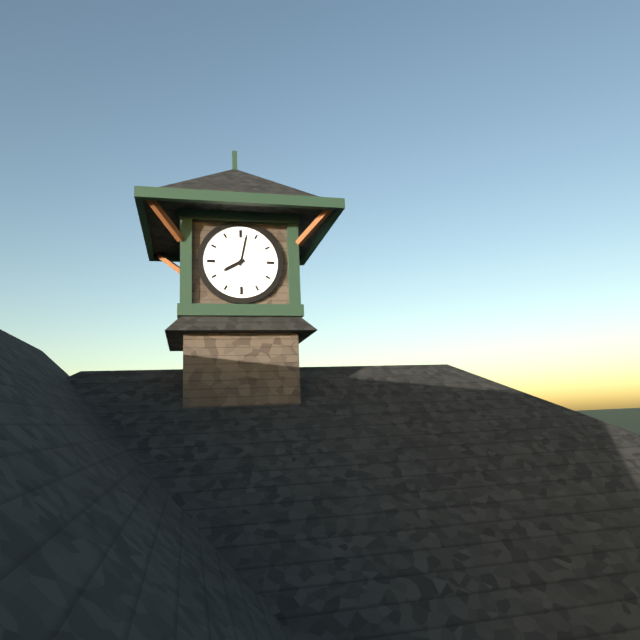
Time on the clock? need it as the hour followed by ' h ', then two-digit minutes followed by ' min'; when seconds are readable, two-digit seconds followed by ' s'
8 h 02 min
